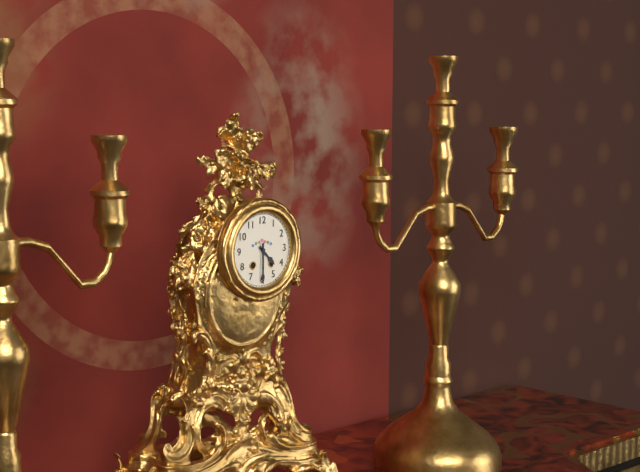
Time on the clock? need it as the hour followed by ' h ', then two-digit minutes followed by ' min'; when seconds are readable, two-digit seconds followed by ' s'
4 h 30 min
